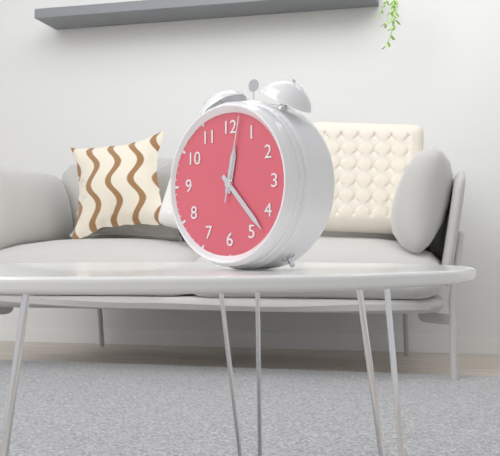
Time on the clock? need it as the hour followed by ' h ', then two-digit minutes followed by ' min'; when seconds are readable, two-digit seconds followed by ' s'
12 h 23 min 02 s
